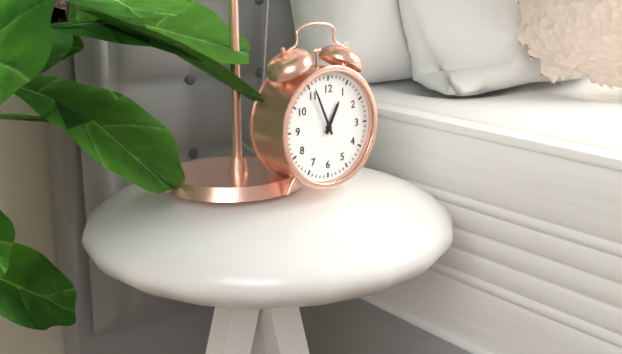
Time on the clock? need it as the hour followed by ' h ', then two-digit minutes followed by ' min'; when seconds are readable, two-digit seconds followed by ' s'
12 h 56 min
